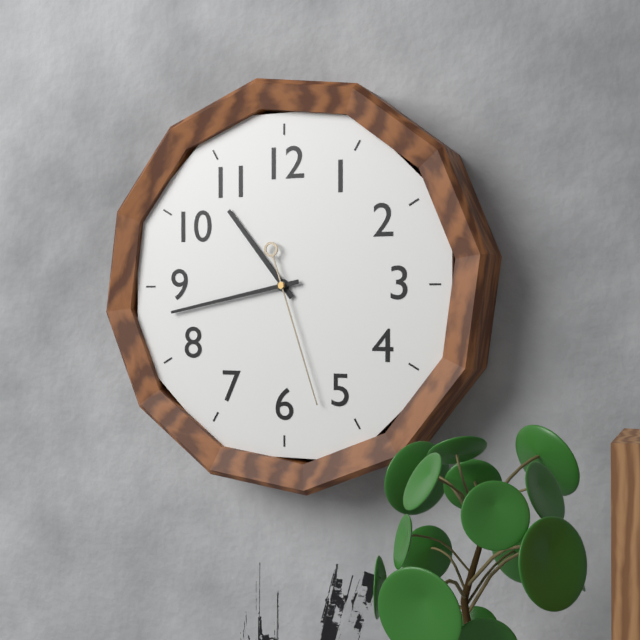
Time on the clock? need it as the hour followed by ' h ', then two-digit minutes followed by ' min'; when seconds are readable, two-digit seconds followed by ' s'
10 h 43 min 27 s
